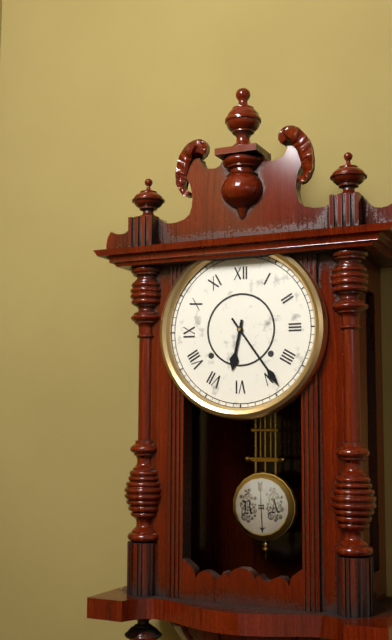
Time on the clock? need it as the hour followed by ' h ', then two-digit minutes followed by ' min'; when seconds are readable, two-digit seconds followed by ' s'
6 h 24 min
